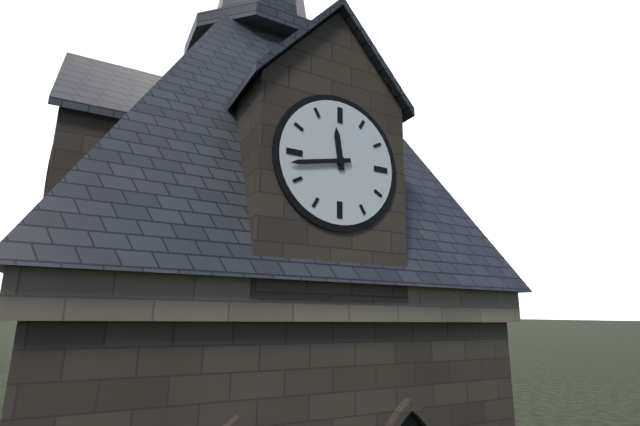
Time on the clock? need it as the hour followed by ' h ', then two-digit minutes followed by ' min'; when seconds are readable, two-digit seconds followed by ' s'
11 h 43 min
